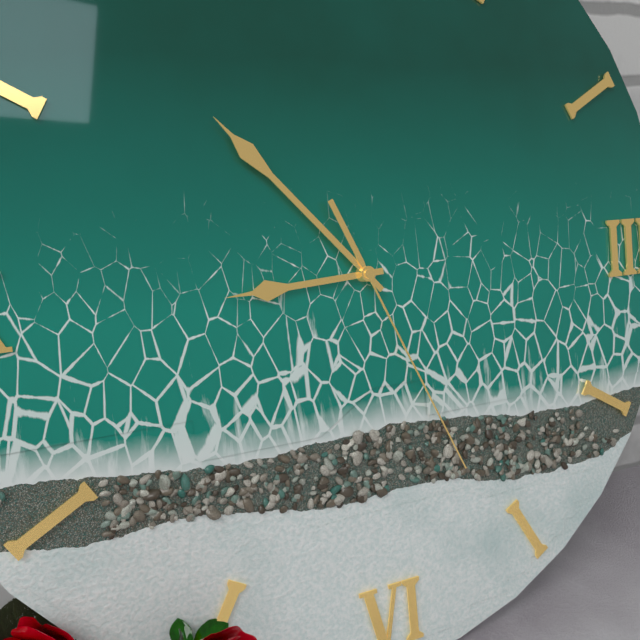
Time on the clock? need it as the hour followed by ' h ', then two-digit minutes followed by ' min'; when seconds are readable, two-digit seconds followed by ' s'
8 h 53 min 26 s
